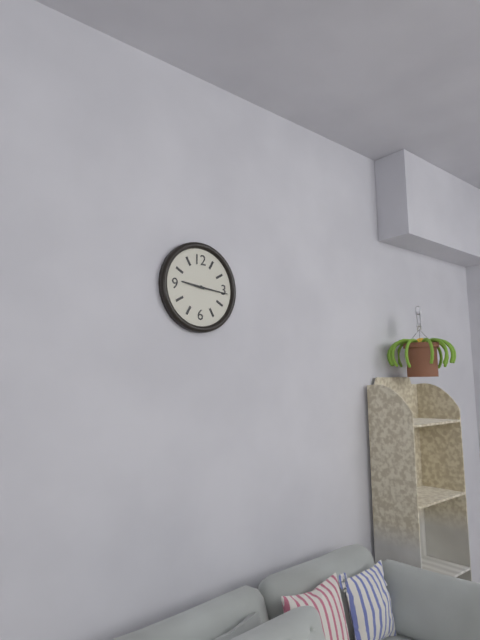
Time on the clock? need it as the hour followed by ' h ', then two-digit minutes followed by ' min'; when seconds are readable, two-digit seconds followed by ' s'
9 h 16 min
